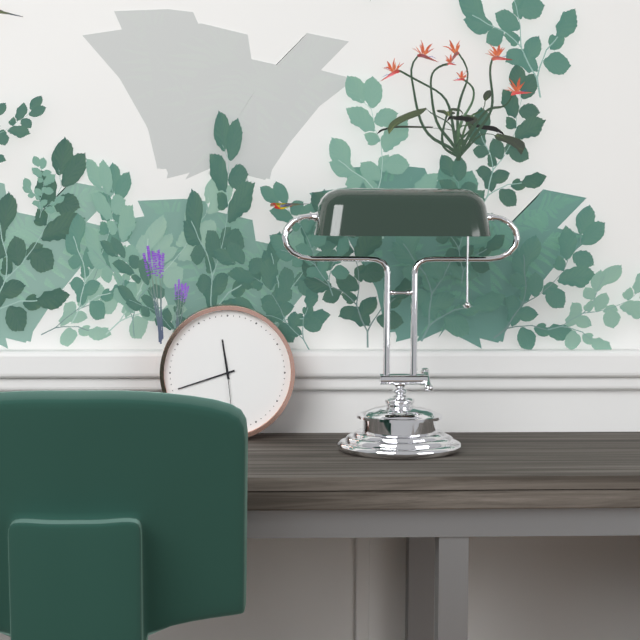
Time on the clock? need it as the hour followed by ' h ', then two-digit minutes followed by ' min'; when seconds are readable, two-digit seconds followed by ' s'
11 h 42 min
